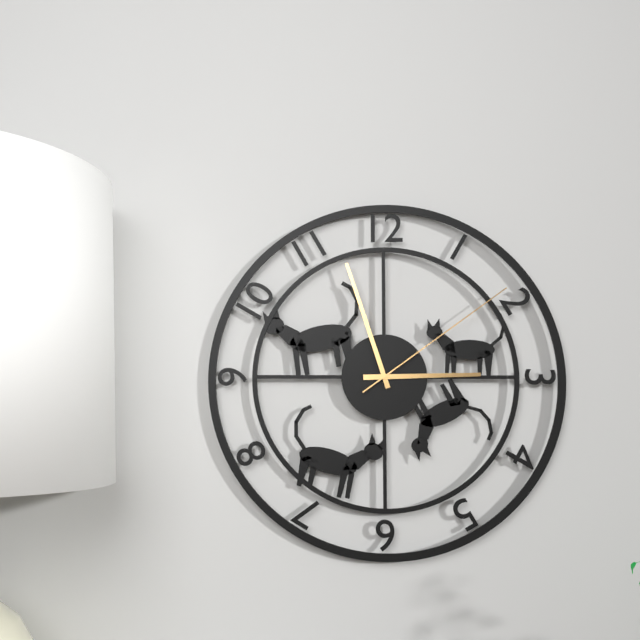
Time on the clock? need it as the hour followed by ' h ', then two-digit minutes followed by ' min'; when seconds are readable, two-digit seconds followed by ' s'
2 h 57 min 09 s
